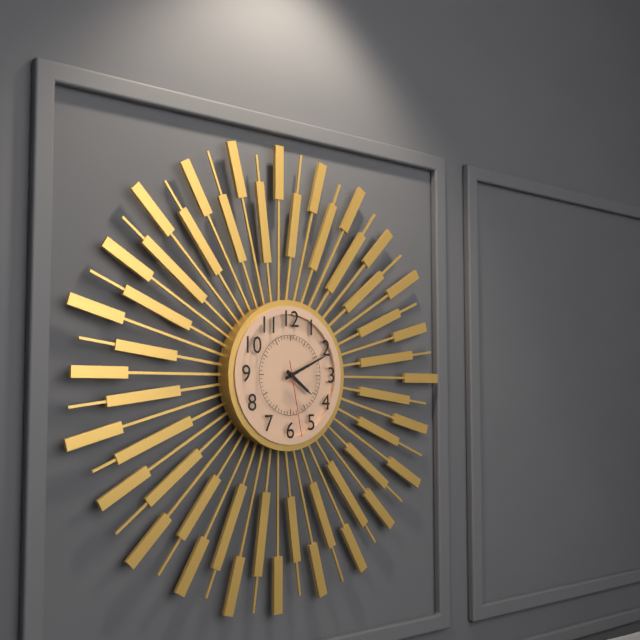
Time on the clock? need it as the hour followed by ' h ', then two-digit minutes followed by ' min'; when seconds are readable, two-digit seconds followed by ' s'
4 h 11 min 28 s
